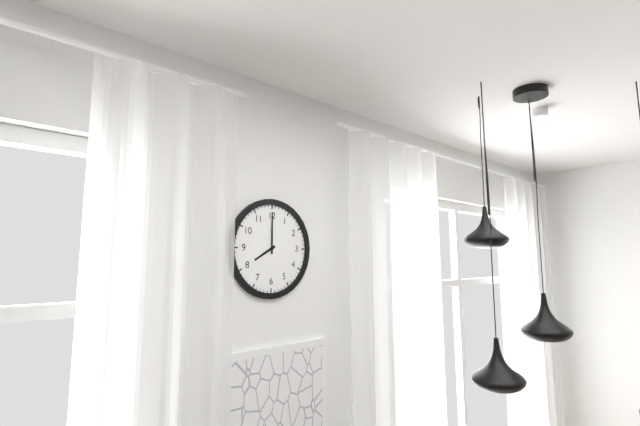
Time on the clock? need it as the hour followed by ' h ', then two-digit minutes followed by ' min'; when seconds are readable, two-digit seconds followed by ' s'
8 h 00 min
